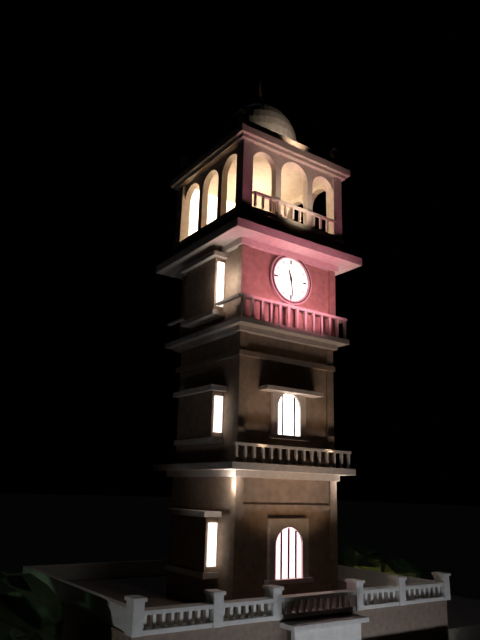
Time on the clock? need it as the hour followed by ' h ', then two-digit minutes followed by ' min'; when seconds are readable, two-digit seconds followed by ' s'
11 h 29 min
